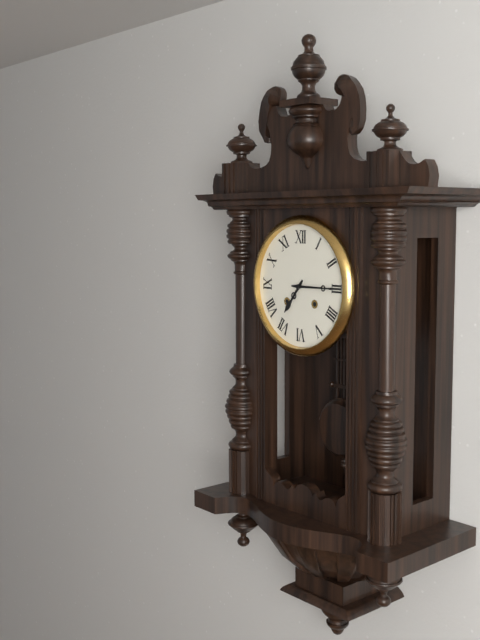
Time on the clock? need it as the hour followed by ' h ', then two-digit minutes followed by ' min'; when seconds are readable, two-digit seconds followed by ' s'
7 h 15 min
